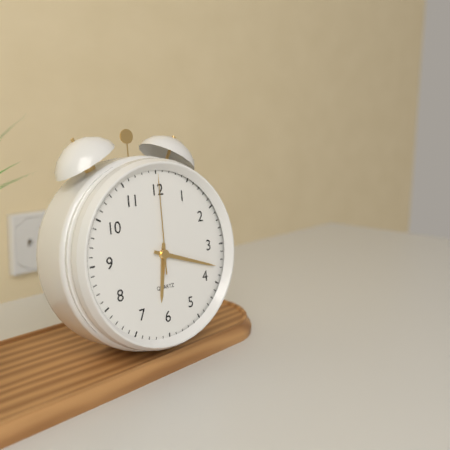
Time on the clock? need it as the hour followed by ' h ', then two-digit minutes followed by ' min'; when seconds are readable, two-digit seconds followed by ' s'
6 h 18 min 00 s
